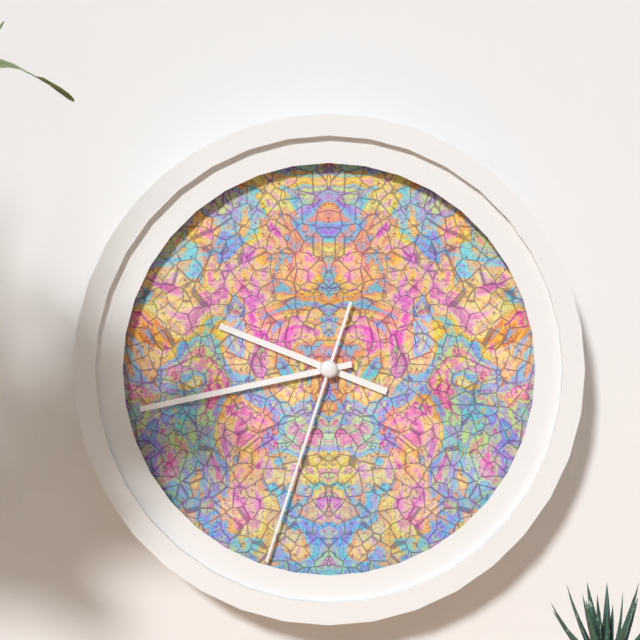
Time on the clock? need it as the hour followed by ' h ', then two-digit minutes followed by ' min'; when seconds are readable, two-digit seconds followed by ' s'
9 h 43 min 33 s
